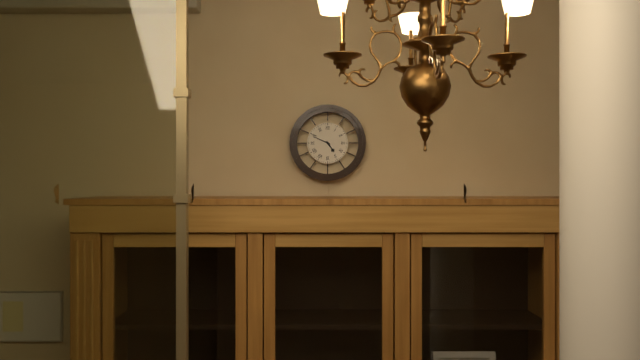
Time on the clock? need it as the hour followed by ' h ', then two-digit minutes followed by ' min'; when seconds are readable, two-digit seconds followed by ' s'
4 h 49 min
